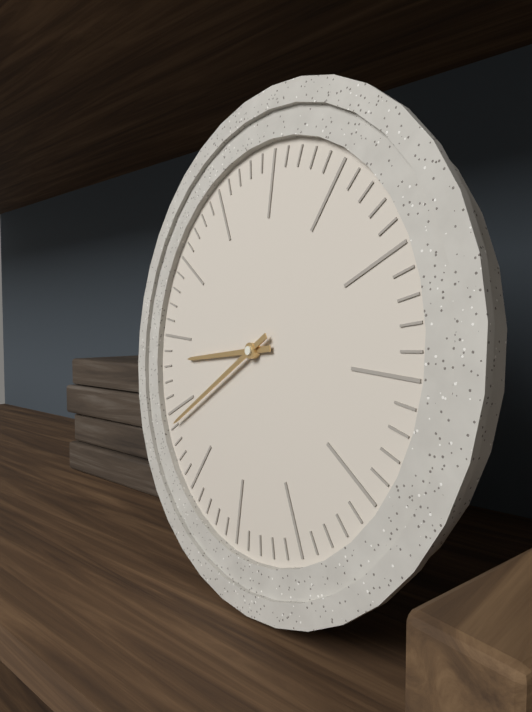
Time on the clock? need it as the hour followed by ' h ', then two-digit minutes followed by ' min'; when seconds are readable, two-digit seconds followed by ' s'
8 h 39 min
